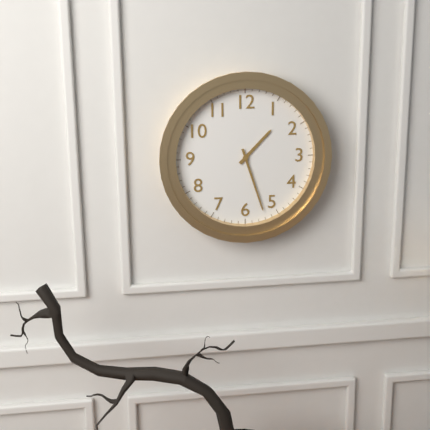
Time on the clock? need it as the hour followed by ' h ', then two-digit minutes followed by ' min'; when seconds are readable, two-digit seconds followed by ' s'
1 h 27 min
